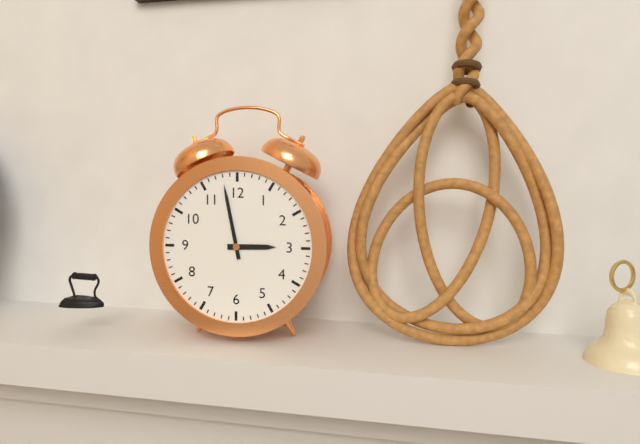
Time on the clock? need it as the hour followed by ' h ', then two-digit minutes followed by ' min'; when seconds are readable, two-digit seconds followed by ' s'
2 h 58 min
